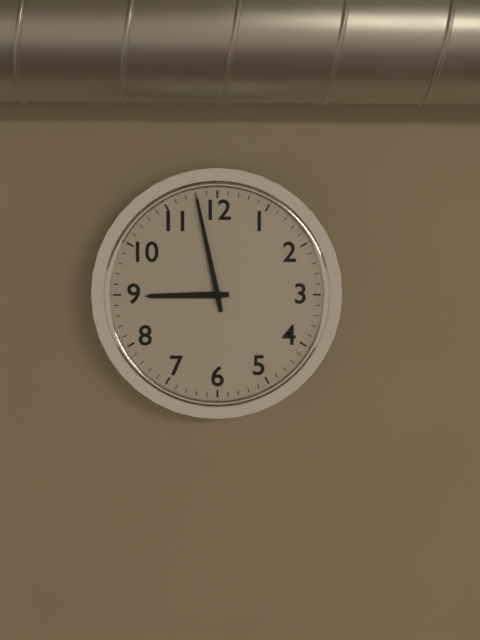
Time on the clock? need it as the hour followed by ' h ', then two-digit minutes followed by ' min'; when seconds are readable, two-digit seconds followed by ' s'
8 h 58 min
